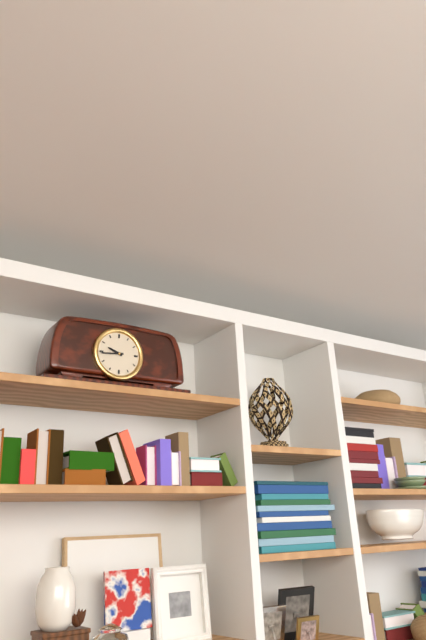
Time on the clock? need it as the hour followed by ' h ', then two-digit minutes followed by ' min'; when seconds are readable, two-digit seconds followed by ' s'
9 h 44 min
